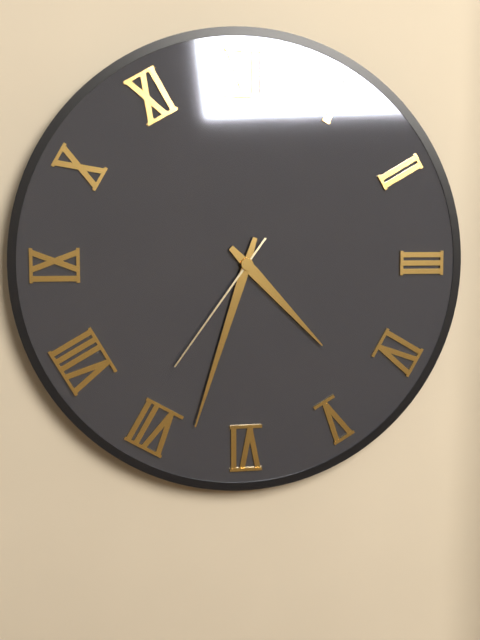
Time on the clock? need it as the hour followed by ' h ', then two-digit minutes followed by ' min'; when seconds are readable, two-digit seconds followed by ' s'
4 h 33 min 36 s
